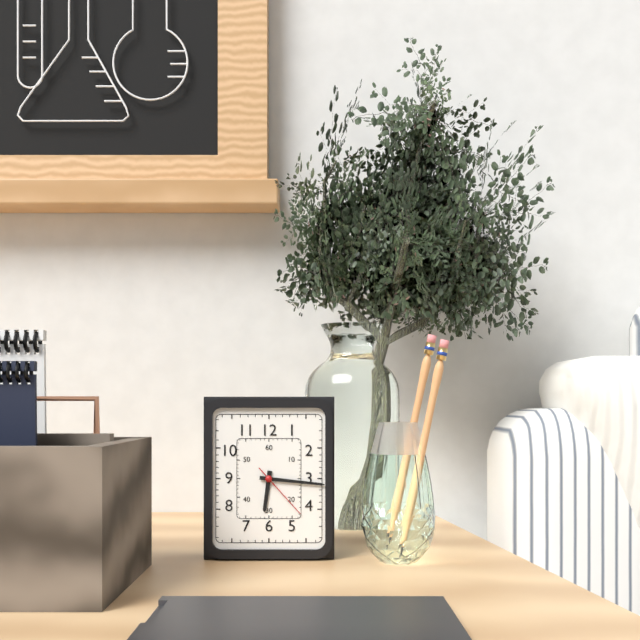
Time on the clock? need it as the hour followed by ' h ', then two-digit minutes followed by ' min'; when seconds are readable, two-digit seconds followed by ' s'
6 h 16 min 23 s
